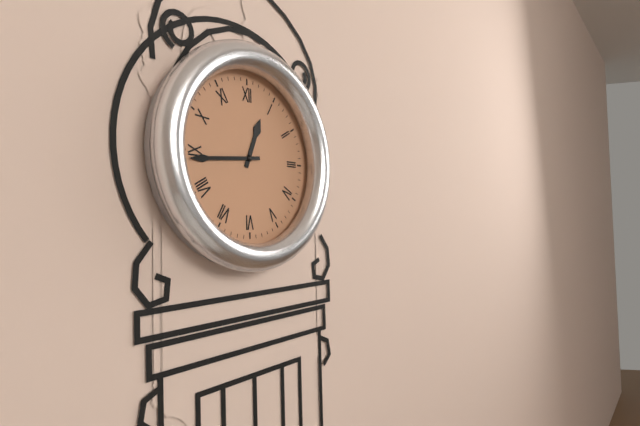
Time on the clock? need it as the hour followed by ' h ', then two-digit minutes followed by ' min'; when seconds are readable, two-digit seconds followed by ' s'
12 h 44 min
